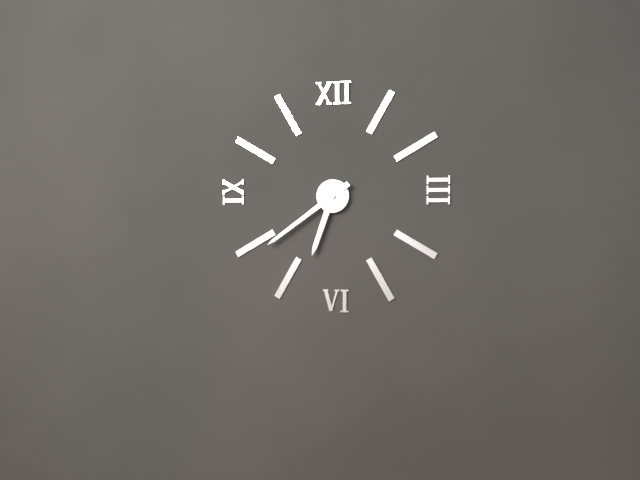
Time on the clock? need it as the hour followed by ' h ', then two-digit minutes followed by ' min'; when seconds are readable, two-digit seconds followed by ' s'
6 h 39 min
